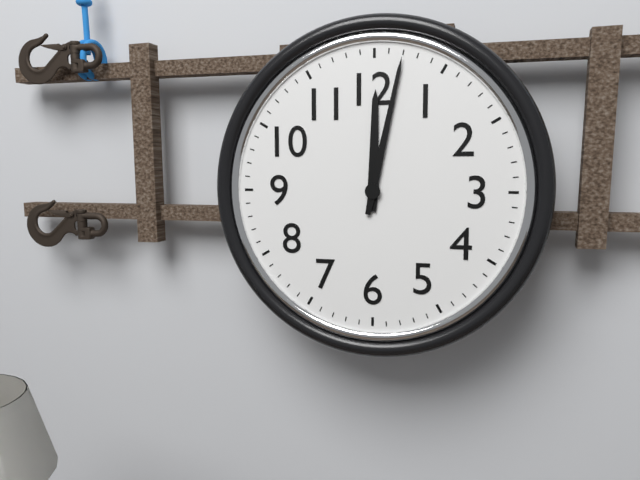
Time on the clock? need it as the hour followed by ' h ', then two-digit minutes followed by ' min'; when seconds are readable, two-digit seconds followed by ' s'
12 h 02 min
